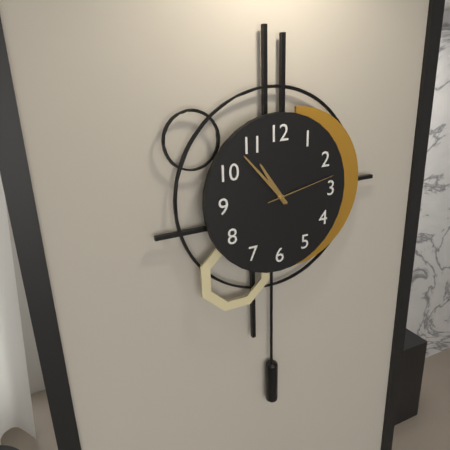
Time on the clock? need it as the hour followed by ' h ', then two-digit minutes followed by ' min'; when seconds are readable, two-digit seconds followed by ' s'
10 h 53 min 13 s
